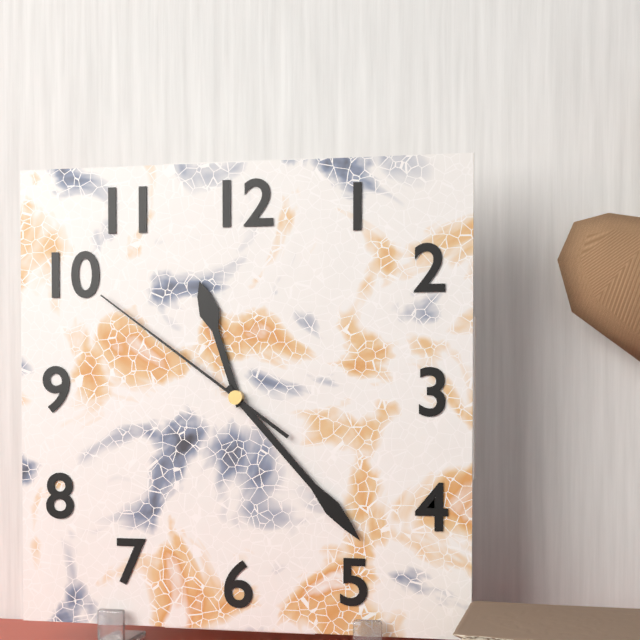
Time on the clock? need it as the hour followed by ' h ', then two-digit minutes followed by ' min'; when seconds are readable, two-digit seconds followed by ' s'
11 h 23 min 51 s
